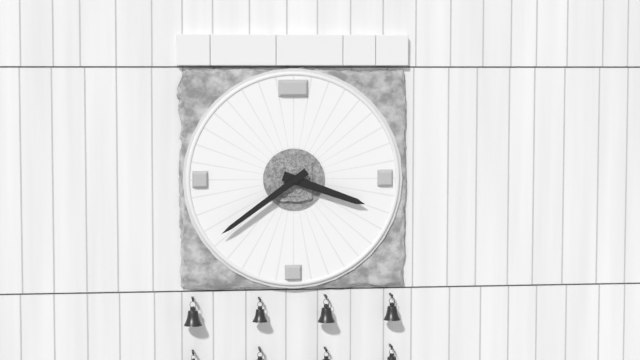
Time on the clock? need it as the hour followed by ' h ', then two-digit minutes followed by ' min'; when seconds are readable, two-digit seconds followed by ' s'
3 h 39 min
